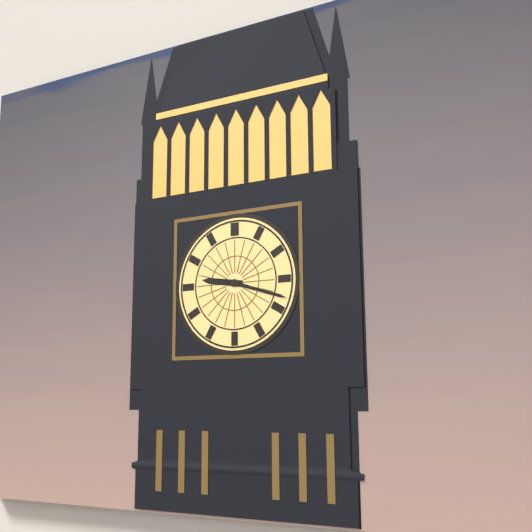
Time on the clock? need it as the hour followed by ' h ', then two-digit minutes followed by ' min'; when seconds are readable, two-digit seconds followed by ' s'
9 h 18 min
